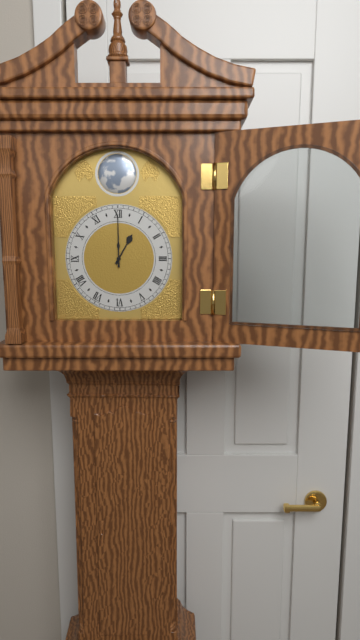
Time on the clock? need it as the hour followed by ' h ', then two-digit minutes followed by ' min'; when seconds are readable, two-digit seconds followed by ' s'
1 h 00 min
